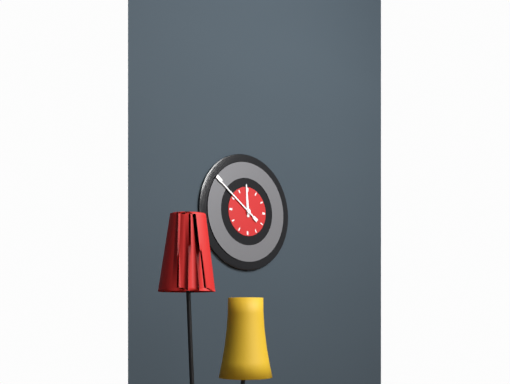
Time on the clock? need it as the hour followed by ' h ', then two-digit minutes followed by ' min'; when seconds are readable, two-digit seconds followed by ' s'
11 h 51 min
